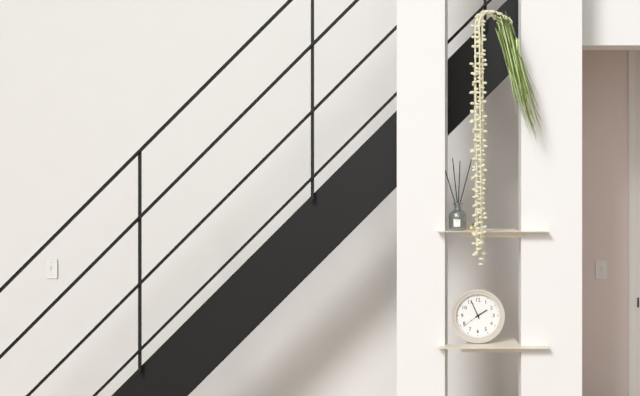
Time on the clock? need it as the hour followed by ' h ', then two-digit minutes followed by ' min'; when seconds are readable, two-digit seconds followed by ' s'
1 h 56 min
